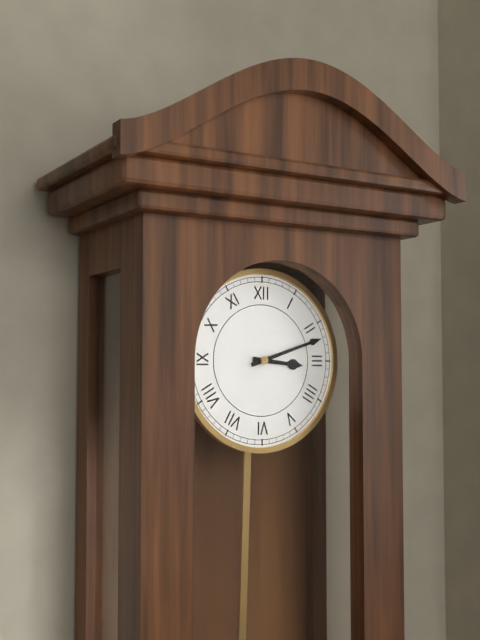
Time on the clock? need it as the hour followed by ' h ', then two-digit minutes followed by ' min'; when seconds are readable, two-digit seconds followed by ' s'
3 h 12 min
